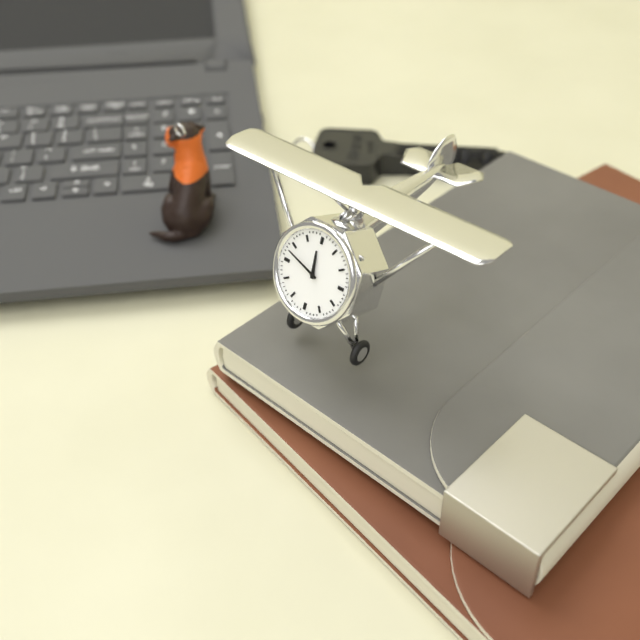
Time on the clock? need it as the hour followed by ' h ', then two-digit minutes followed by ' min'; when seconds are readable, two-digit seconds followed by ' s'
11 h 48 min
